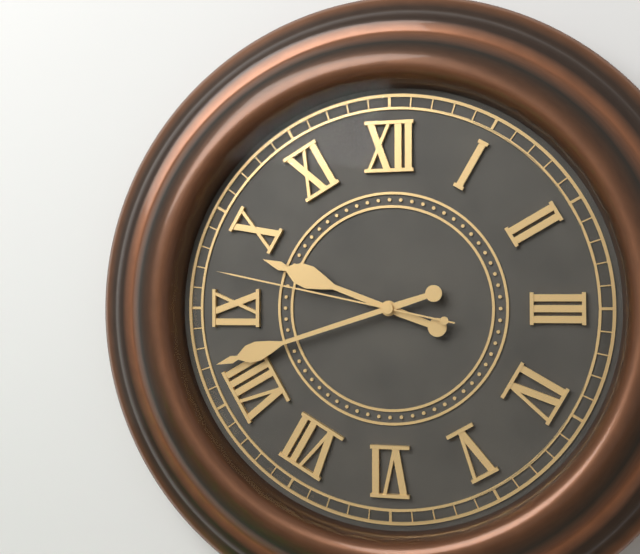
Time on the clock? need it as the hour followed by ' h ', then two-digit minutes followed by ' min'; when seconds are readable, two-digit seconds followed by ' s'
9 h 42 min 47 s
